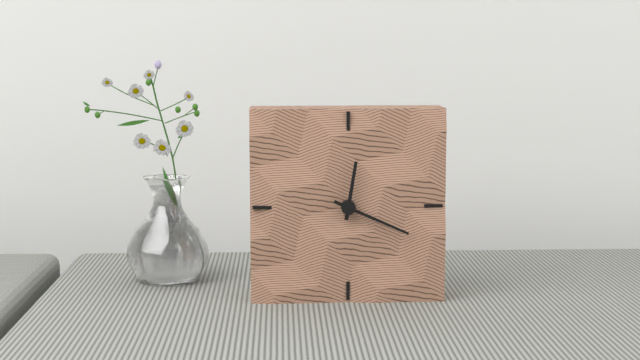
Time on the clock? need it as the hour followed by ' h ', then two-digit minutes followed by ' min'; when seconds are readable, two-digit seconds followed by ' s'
12 h 19 min
